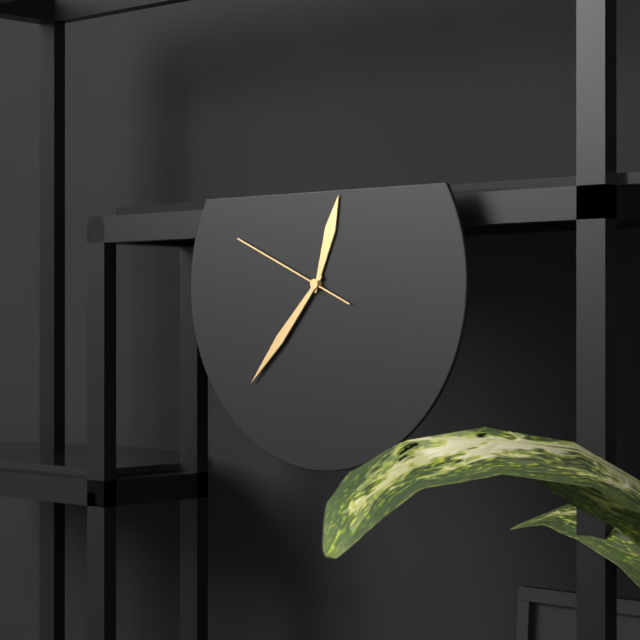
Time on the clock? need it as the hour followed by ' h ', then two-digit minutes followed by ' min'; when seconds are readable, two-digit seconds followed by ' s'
12 h 37 min 49 s
